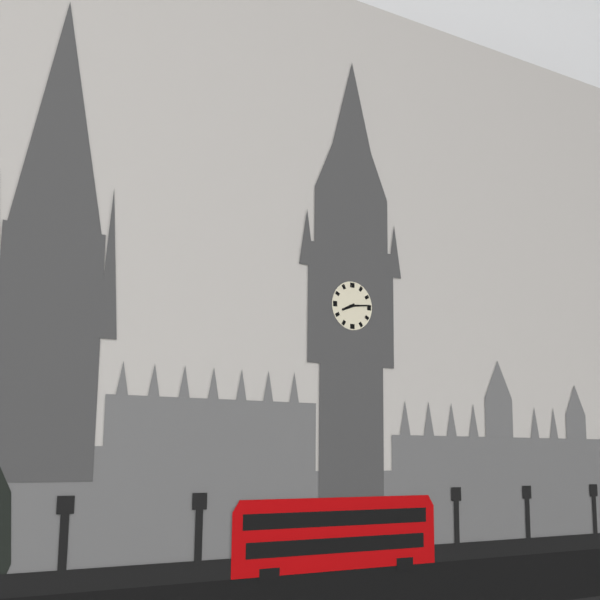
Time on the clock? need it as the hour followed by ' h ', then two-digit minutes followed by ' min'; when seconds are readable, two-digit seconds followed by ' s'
8 h 14 min
